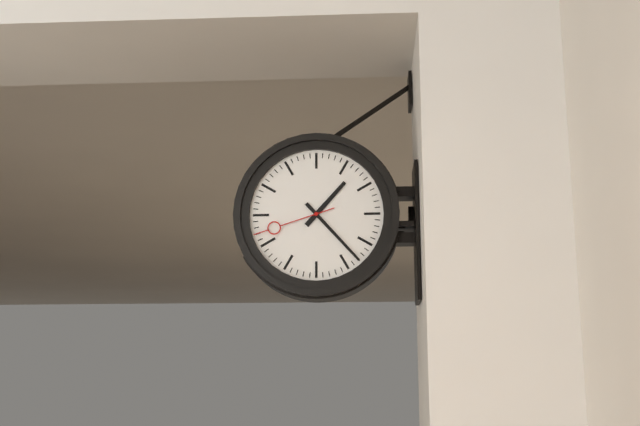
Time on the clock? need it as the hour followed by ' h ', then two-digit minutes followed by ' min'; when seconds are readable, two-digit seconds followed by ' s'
1 h 23 min 42 s
